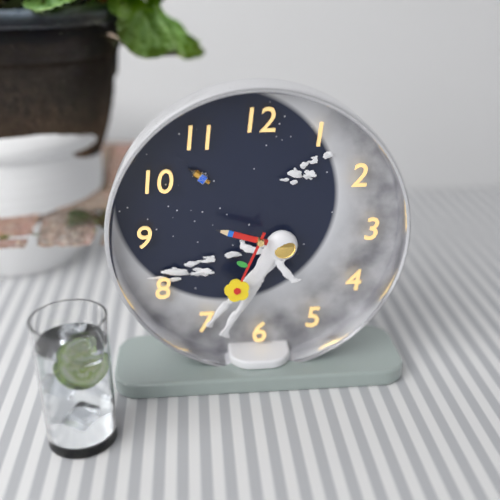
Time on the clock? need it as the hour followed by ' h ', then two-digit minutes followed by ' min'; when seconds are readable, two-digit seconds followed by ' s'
9 h 34 min
